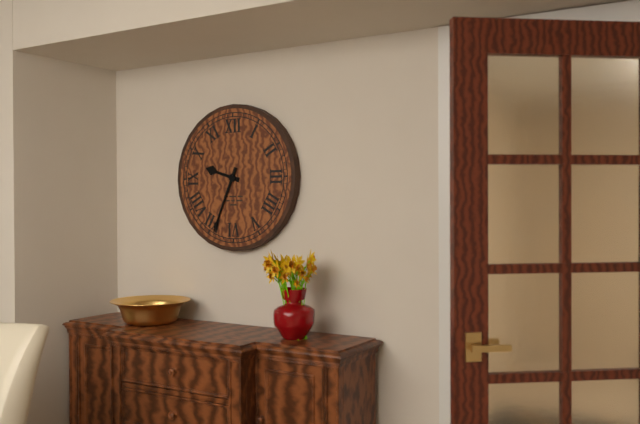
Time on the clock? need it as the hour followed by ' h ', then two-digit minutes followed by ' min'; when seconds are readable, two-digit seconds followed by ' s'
9 h 34 min
